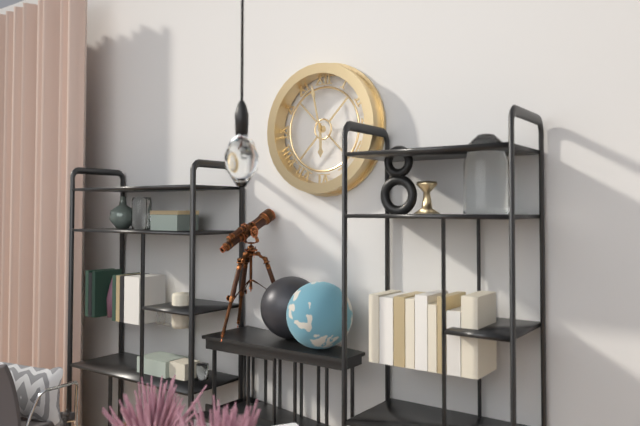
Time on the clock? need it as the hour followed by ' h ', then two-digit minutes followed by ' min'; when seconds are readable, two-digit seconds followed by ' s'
5 h 58 min
